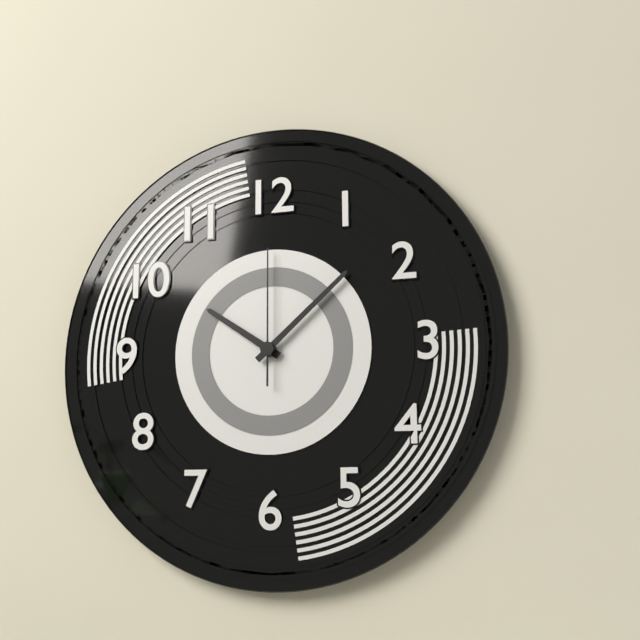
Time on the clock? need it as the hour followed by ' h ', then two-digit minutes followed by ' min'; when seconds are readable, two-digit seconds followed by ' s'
10 h 08 min 00 s
